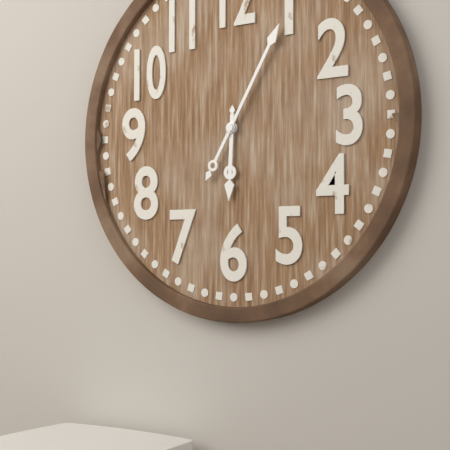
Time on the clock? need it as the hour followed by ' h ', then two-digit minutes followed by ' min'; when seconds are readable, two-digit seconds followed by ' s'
6 h 05 min
